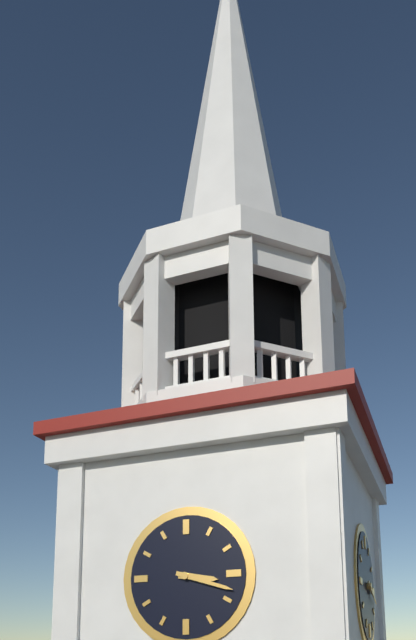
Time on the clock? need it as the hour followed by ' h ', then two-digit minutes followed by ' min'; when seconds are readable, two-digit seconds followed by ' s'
3 h 18 min
